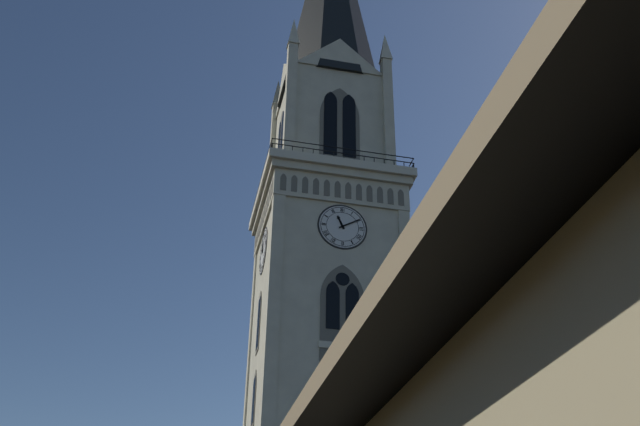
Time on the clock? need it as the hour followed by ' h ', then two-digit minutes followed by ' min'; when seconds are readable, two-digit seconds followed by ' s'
11 h 10 min
